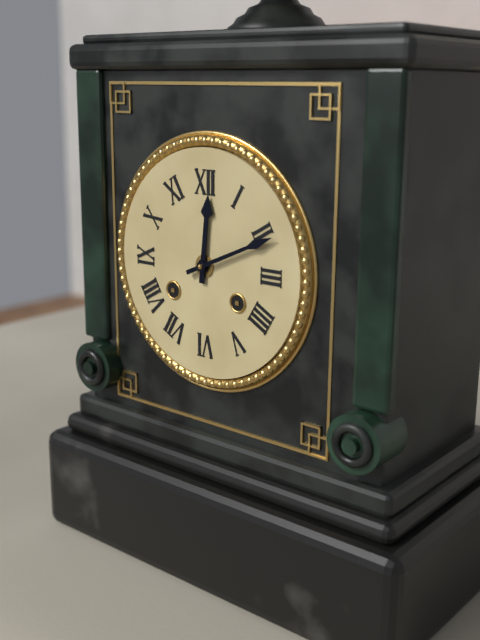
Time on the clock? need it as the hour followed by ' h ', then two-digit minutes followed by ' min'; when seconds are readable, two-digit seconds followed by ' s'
12 h 11 min
